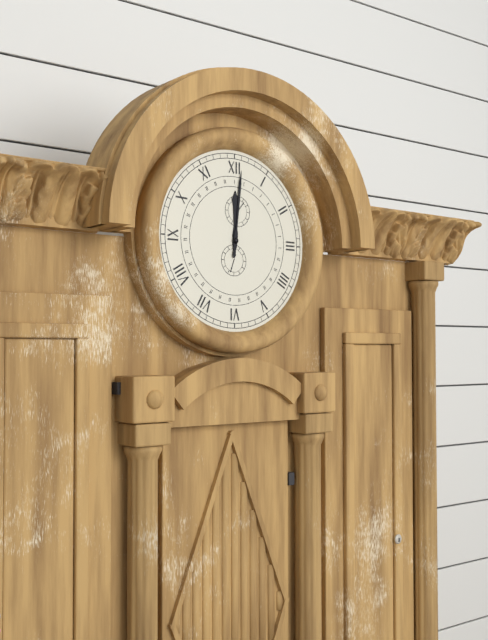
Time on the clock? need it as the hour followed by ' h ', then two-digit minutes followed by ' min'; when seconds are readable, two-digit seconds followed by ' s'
12 h 01 min
